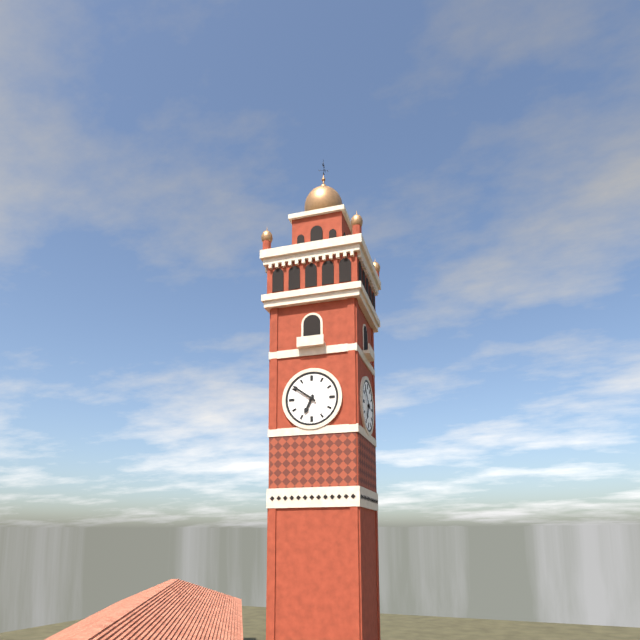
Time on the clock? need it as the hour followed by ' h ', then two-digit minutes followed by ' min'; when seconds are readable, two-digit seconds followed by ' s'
6 h 51 min
